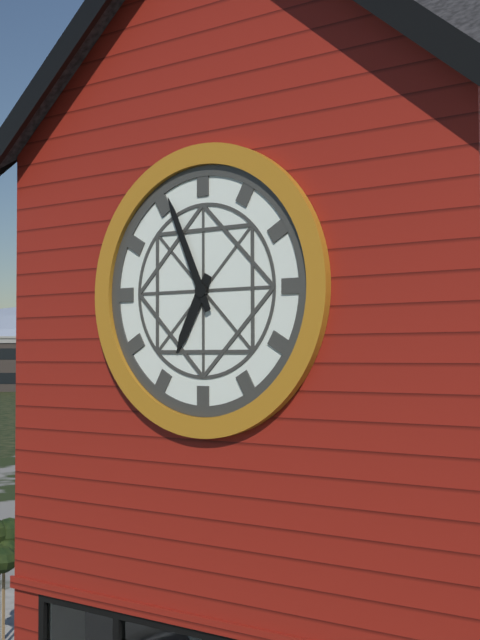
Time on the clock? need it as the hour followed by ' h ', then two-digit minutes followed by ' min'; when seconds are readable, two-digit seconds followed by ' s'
6 h 56 min
